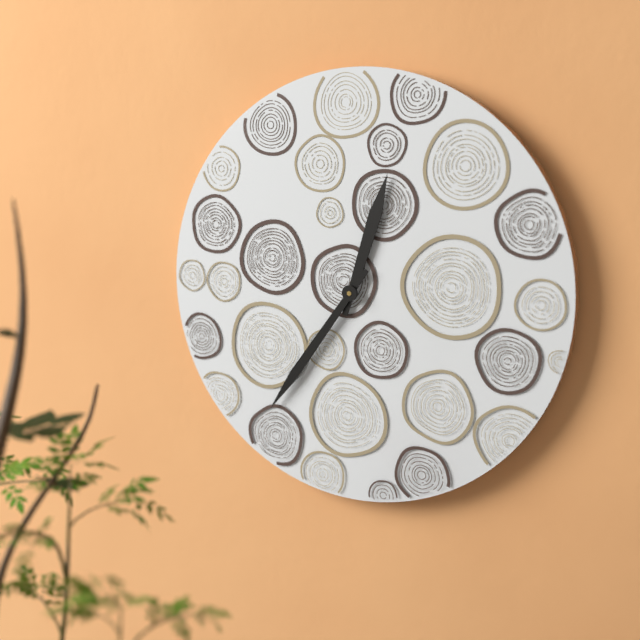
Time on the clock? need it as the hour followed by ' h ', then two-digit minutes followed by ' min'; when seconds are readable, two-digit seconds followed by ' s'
12 h 36 min
